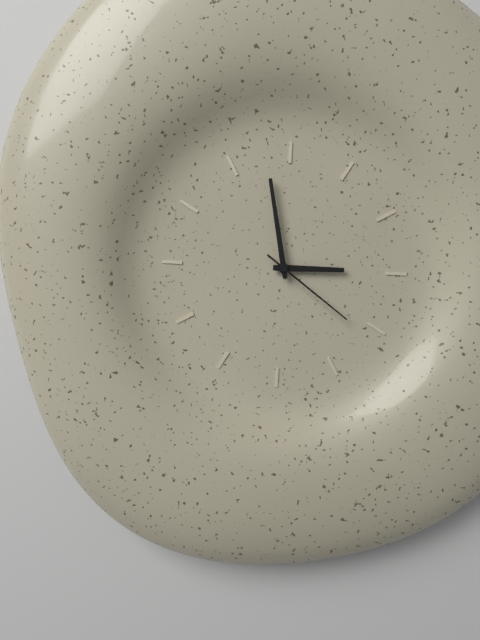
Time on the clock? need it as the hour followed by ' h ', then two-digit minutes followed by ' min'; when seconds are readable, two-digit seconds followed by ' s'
2 h 58 min 21 s
